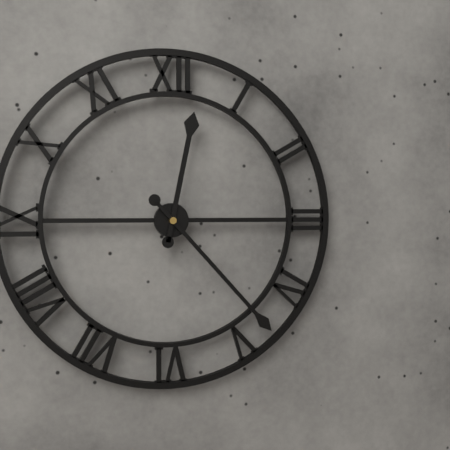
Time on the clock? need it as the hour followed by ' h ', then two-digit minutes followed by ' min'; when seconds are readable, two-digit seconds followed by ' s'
12 h 23 min
